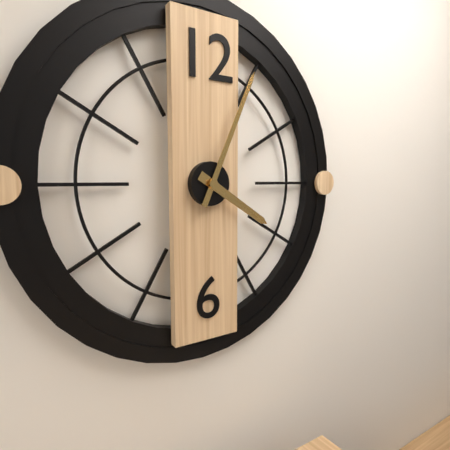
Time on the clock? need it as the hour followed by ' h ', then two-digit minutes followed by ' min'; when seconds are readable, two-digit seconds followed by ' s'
4 h 04 min
